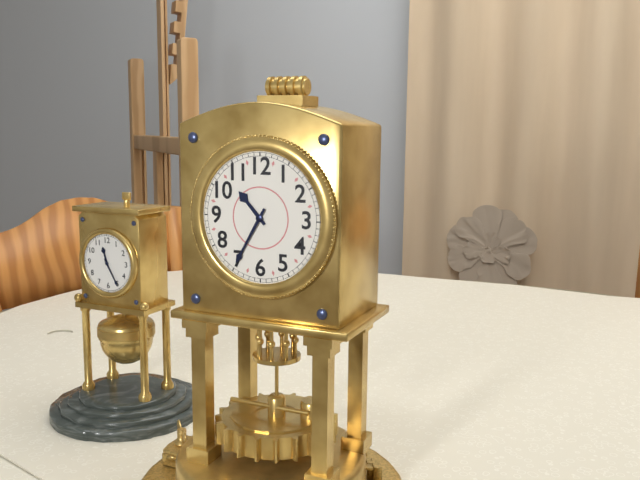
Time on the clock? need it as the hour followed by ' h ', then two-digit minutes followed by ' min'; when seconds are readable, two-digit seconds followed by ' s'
10 h 35 min
